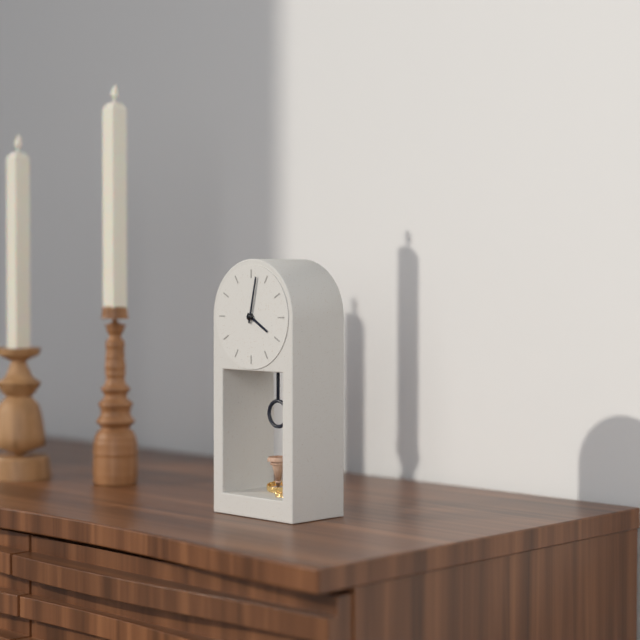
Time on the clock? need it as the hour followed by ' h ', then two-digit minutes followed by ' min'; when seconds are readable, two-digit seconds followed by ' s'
4 h 02 min
